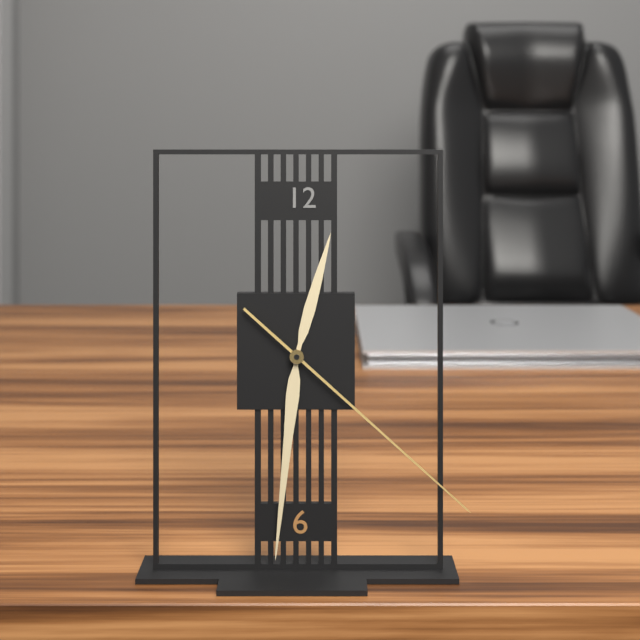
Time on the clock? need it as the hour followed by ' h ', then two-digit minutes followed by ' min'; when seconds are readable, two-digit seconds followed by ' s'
12 h 31 min 22 s
